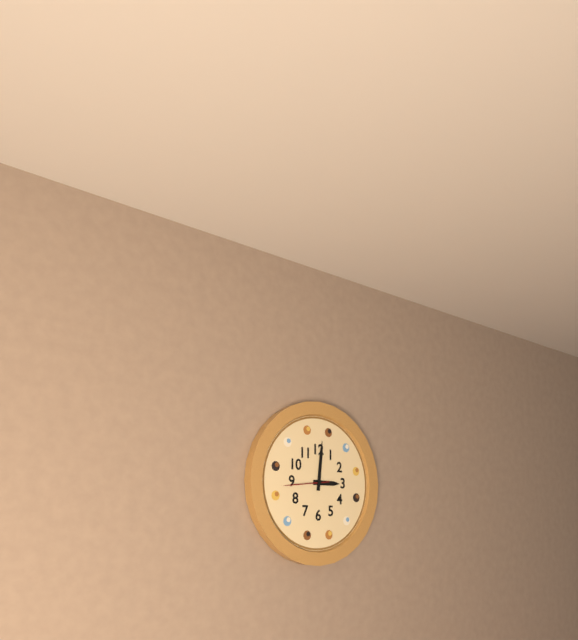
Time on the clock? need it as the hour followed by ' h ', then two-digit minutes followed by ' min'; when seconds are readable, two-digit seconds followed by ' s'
3 h 01 min
